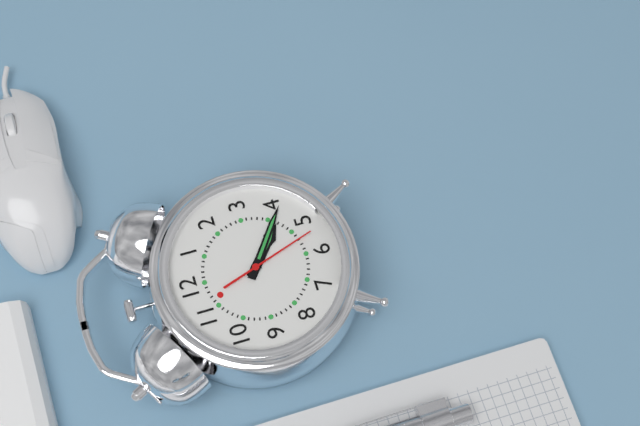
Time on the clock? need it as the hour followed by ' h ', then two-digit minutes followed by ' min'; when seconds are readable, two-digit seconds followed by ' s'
4 h 21 min 27 s
